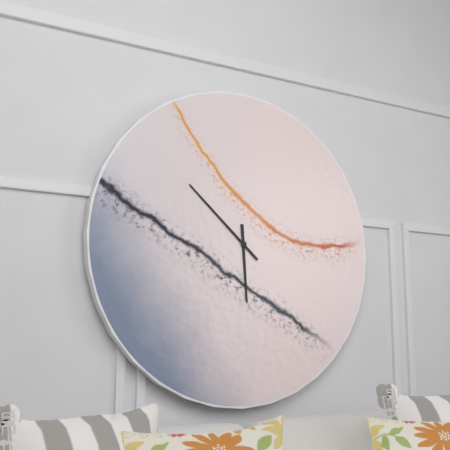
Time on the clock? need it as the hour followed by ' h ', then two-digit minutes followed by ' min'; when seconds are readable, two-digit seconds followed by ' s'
5 h 52 min
